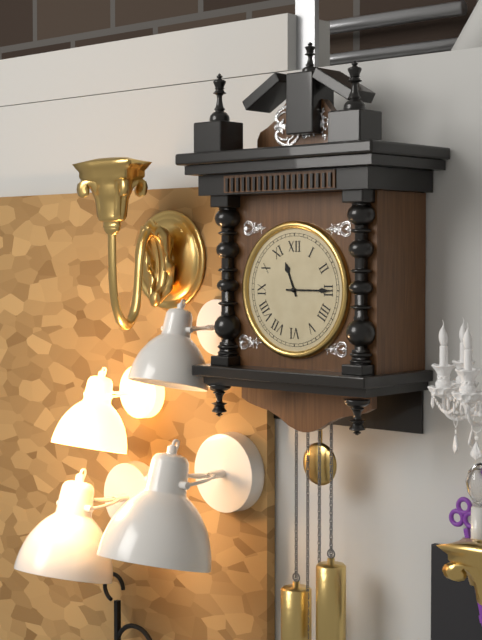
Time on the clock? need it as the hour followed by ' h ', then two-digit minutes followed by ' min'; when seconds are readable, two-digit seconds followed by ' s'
11 h 15 min
